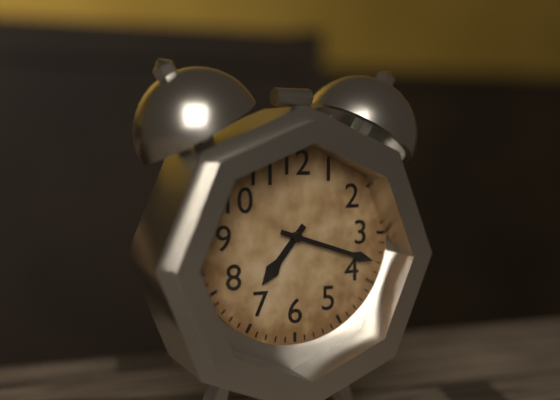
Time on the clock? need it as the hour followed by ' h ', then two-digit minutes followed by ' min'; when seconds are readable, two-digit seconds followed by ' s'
7 h 18 min
